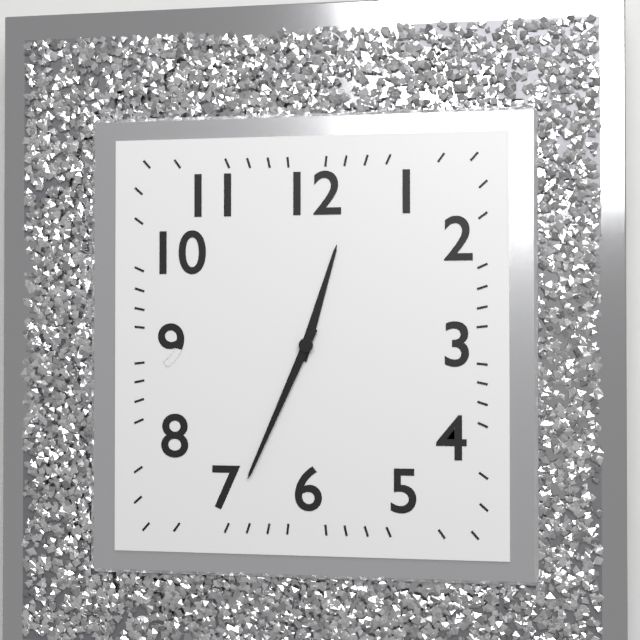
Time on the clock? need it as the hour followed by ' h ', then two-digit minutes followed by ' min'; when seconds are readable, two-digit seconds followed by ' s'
12 h 34 min
